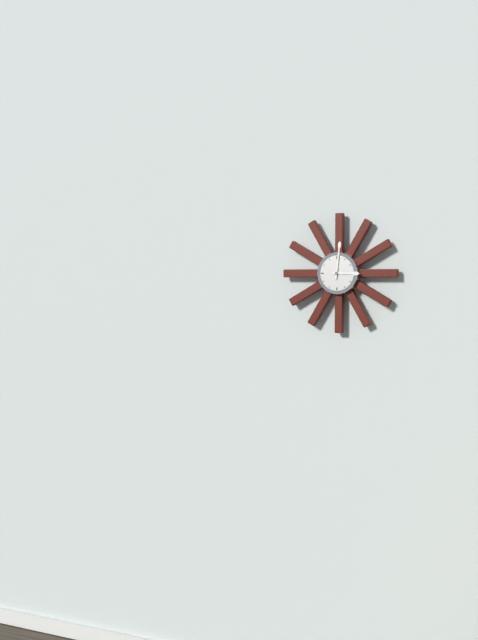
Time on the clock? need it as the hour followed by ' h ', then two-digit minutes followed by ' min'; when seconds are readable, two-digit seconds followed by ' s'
3 h 01 min
